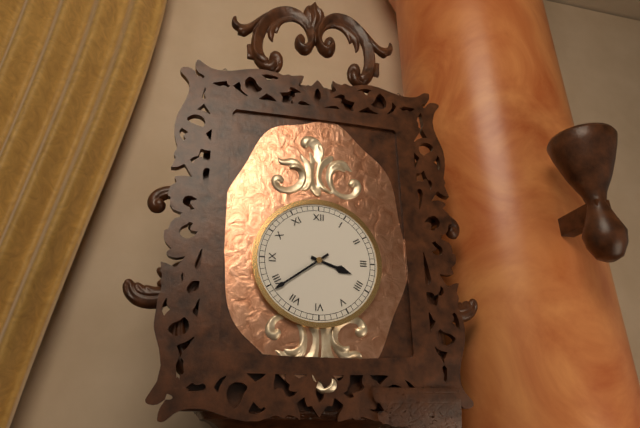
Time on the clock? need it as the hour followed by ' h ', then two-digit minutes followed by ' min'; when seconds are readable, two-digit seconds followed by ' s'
3 h 39 min
